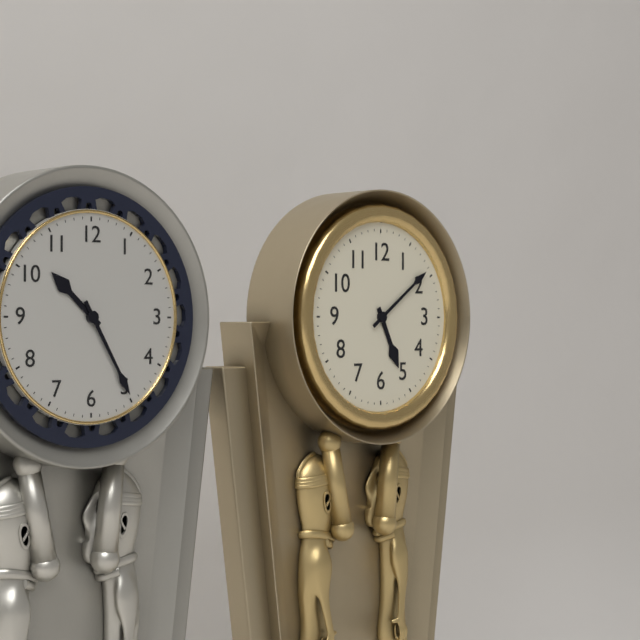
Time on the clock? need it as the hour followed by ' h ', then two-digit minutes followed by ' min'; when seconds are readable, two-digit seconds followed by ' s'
5 h 09 min
